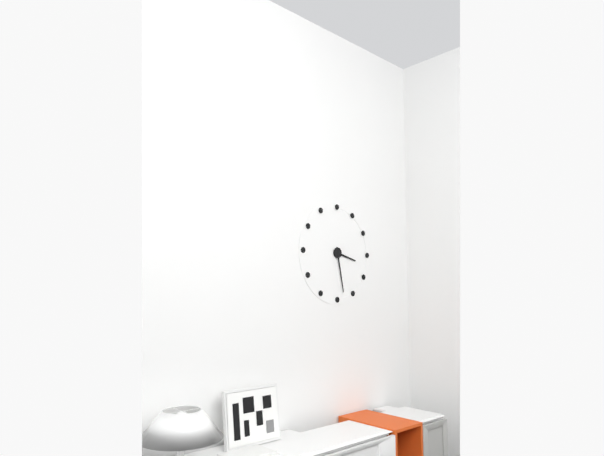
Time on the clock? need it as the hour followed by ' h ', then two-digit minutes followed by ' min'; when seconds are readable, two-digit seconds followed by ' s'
3 h 28 min
